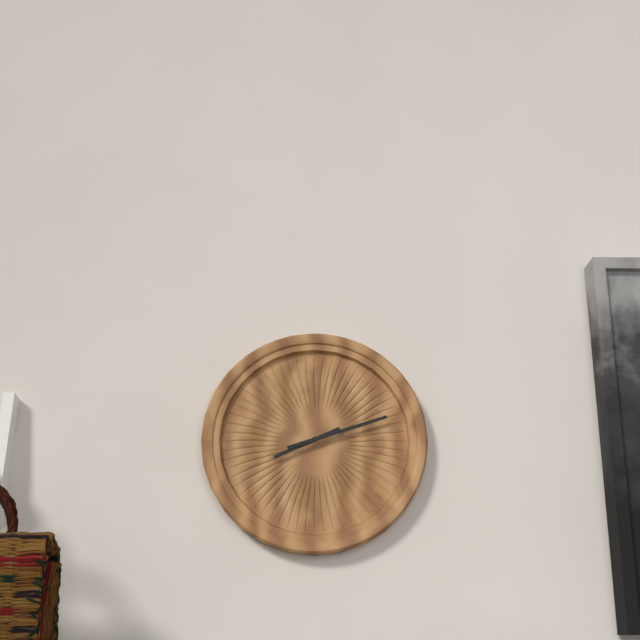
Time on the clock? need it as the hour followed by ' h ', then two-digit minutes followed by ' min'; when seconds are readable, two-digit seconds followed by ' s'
8 h 12 min
